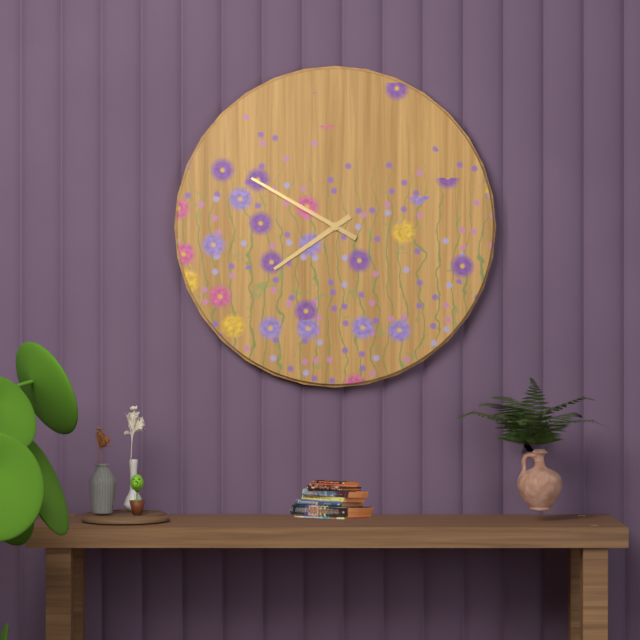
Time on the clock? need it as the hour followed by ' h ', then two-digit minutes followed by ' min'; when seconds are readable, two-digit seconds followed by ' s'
7 h 50 min
